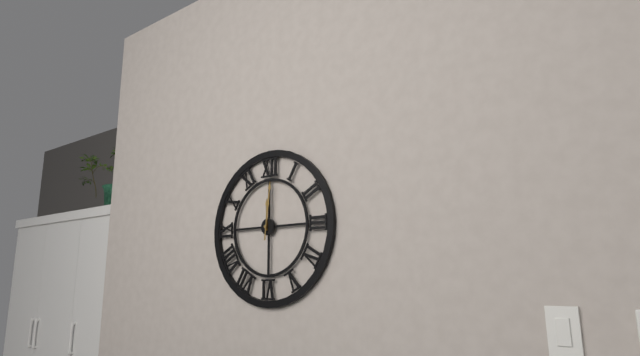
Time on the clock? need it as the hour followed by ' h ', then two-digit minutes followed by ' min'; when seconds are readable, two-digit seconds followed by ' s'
12 h 01 min
